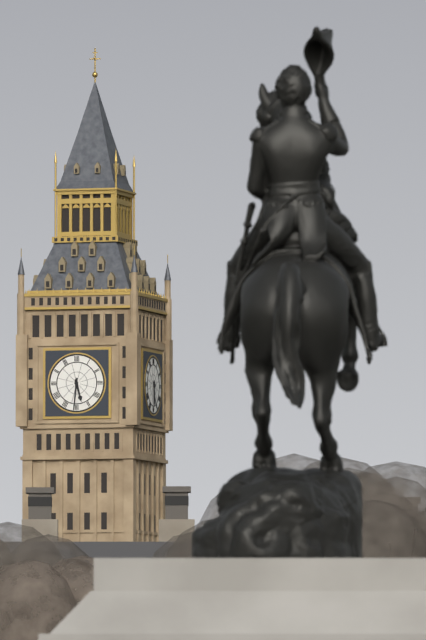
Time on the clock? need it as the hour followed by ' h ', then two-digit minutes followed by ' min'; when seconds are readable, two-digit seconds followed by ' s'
5 h 31 min
